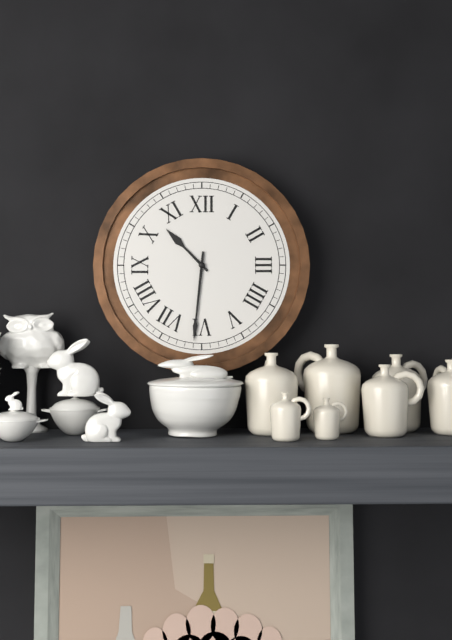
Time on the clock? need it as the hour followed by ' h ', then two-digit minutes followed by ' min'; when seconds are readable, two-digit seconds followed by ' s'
10 h 31 min
